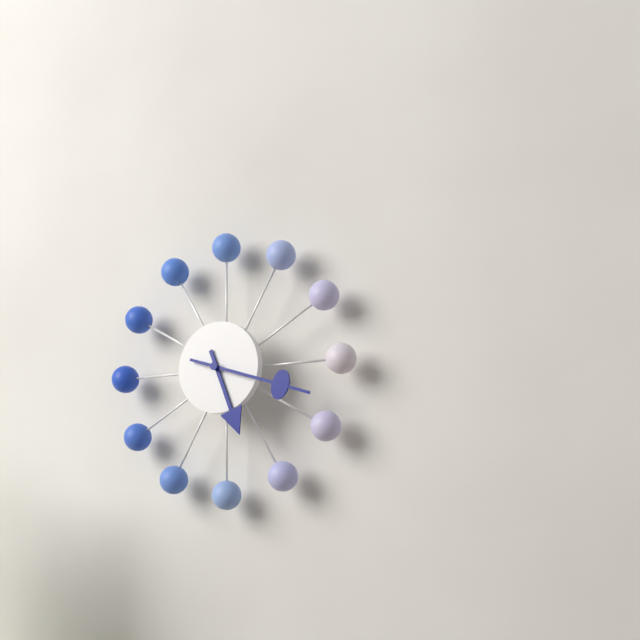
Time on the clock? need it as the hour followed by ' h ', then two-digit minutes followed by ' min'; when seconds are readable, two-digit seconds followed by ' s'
5 h 18 min
